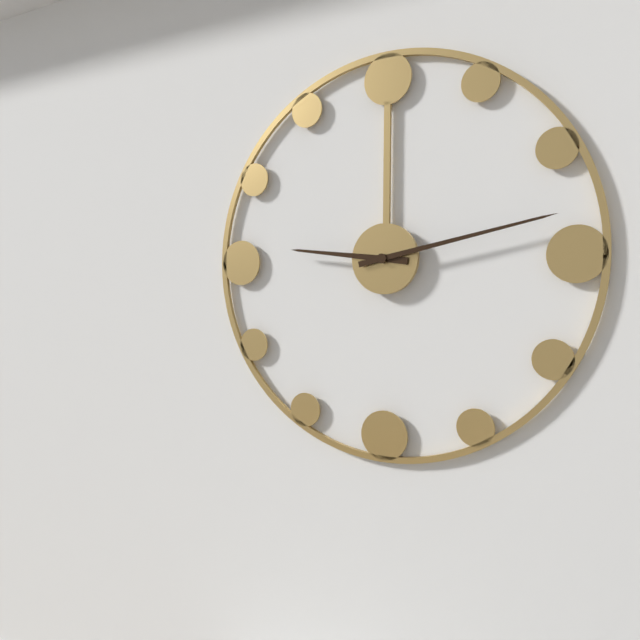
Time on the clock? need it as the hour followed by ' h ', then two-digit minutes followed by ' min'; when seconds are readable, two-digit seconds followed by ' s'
9 h 13 min
